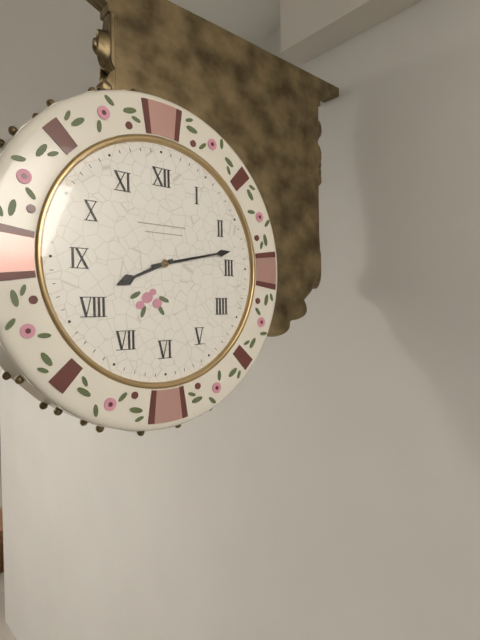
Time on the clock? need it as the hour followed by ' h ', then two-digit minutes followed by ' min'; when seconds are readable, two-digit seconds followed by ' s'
8 h 13 min
